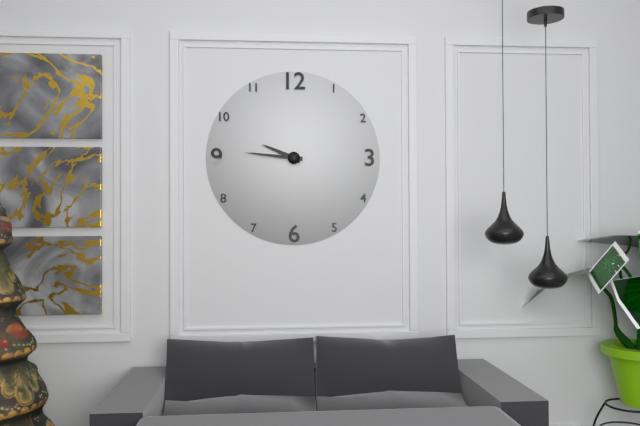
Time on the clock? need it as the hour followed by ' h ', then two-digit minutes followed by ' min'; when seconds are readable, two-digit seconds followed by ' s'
9 h 46 min
